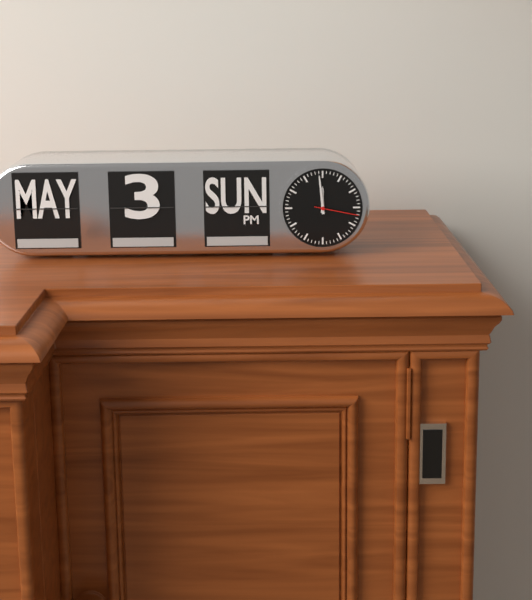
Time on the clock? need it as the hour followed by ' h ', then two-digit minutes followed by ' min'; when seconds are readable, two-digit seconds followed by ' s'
11 h 59 min
